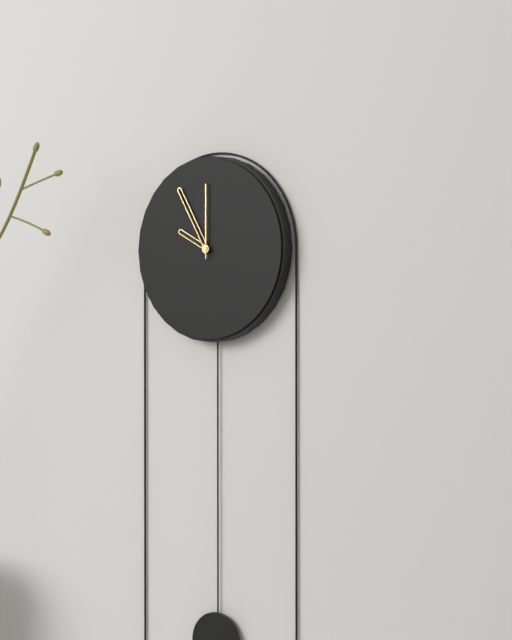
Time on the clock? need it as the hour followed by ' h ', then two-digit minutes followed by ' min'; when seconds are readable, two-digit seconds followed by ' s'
9 h 55 min 00 s
